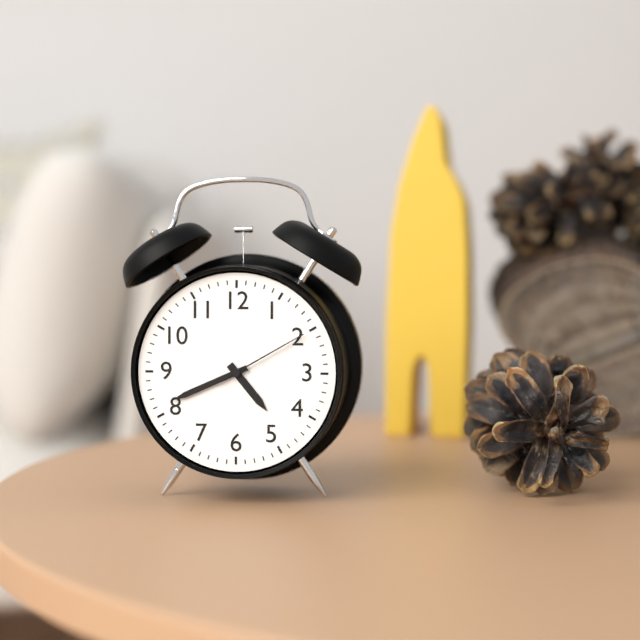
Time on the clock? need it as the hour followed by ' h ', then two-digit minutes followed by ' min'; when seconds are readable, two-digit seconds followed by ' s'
4 h 41 min 10 s
